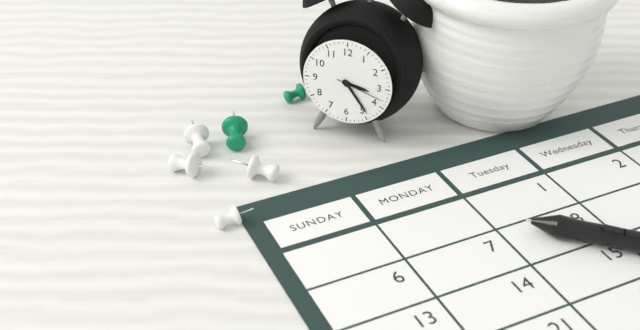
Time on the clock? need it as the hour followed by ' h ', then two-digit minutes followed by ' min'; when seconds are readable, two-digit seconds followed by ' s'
3 h 24 min 18 s
